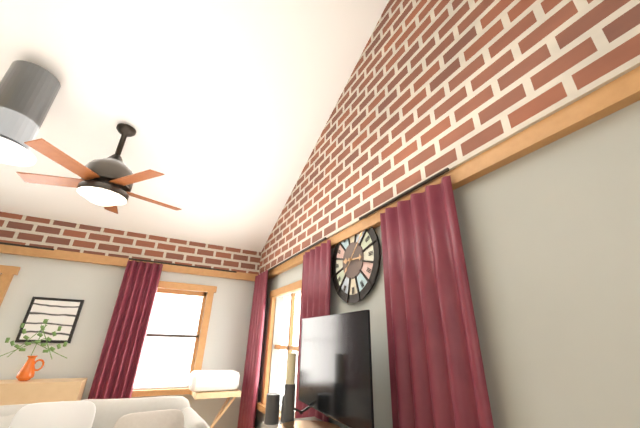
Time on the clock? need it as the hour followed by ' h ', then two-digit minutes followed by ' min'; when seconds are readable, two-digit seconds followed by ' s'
3 h 07 min
